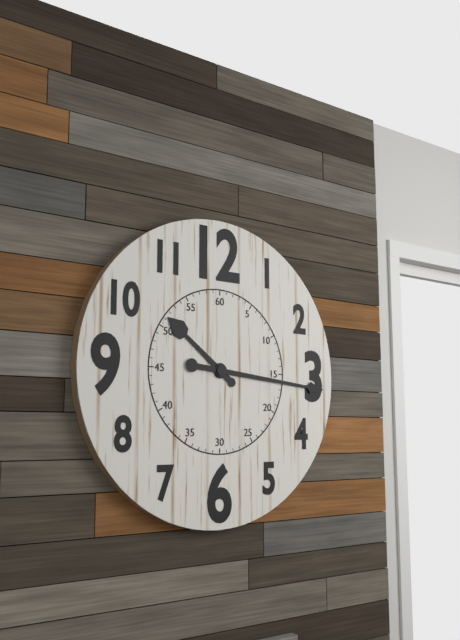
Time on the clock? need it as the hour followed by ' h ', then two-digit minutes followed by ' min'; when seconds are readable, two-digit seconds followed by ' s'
10 h 16 min
